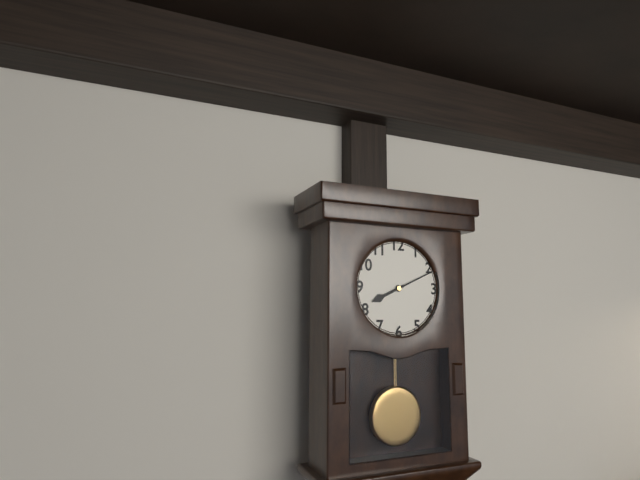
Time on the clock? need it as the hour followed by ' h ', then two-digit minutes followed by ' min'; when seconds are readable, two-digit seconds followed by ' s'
8 h 11 min
